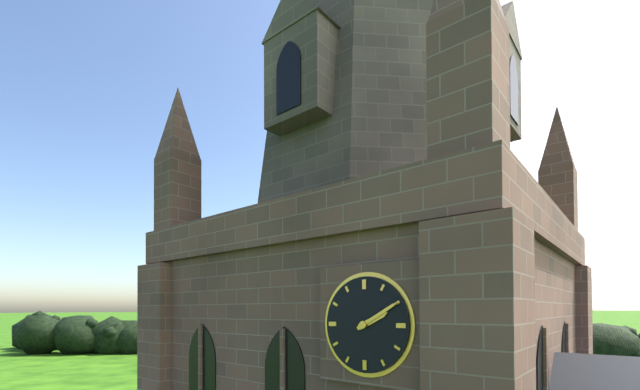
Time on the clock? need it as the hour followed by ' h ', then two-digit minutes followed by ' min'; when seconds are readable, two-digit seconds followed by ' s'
2 h 10 min
